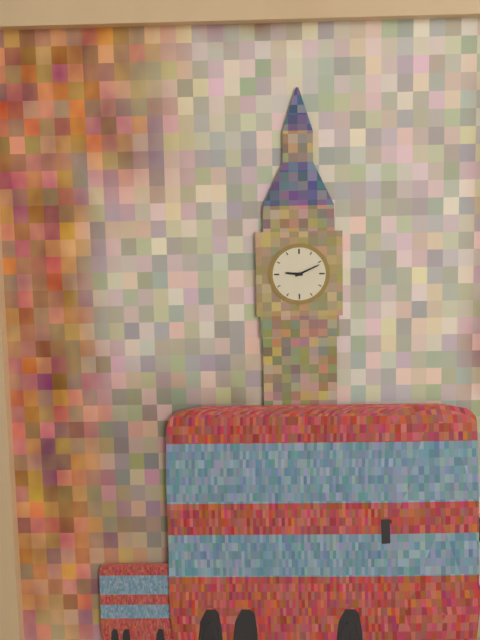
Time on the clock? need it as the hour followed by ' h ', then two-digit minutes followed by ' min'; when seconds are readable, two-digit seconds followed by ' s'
9 h 11 min
